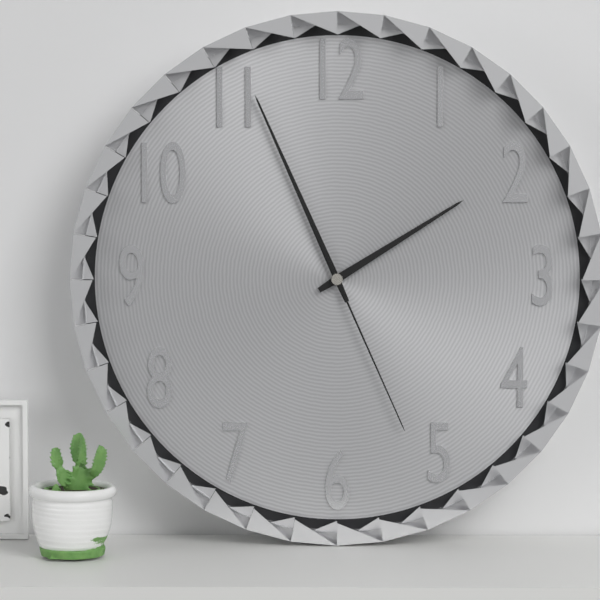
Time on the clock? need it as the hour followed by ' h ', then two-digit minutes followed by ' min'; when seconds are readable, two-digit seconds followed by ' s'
1 h 56 min 26 s
